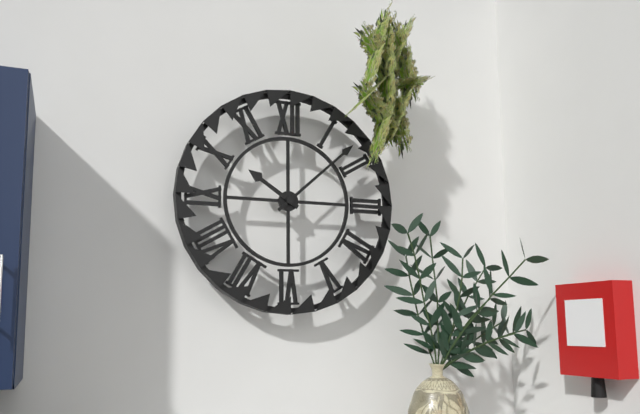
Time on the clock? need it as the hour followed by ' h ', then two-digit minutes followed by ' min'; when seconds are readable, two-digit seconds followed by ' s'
10 h 08 min
